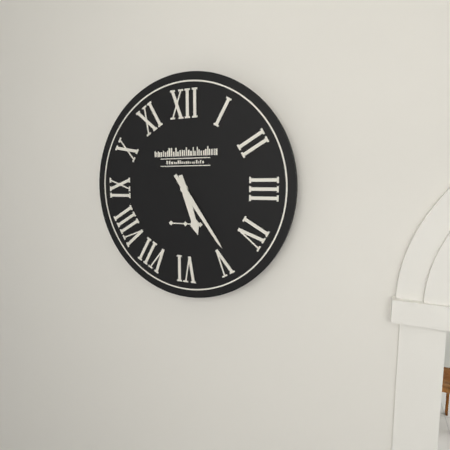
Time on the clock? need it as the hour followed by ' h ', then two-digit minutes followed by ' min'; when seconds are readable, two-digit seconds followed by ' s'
5 h 24 min
